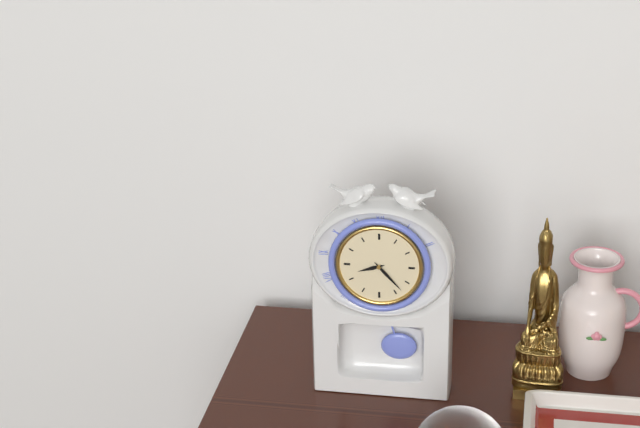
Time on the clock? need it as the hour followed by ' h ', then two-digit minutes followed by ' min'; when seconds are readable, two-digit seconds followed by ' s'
8 h 23 min
